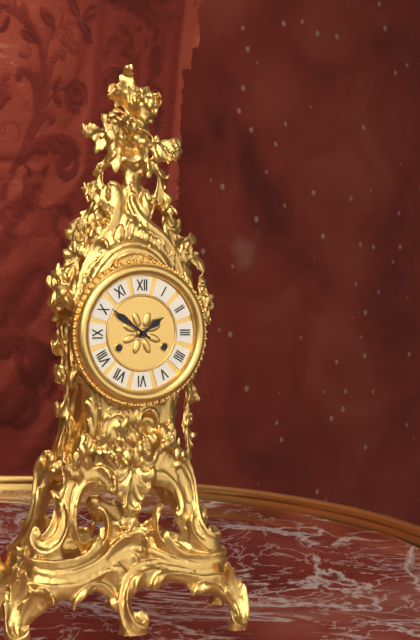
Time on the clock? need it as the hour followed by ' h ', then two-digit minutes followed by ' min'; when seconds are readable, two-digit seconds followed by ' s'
1 h 51 min
